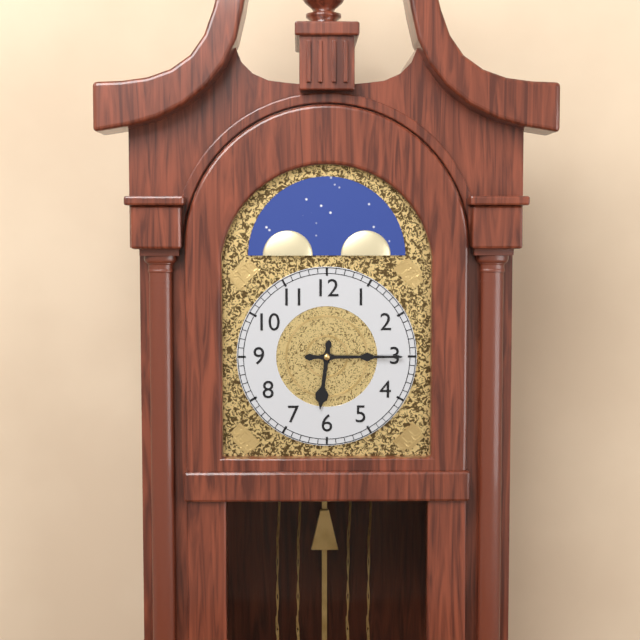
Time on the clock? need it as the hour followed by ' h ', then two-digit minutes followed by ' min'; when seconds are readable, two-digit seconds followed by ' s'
6 h 15 min
